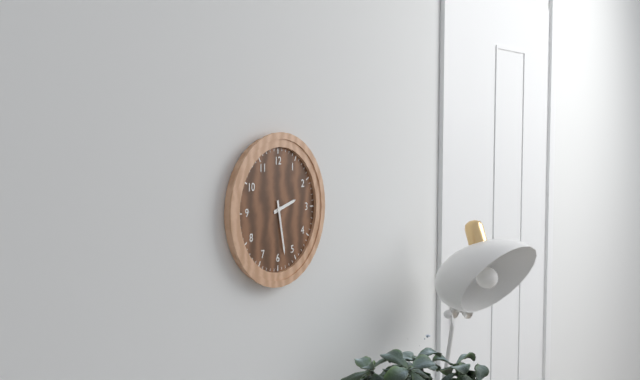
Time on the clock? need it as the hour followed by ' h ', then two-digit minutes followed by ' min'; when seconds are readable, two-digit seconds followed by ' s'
2 h 28 min
